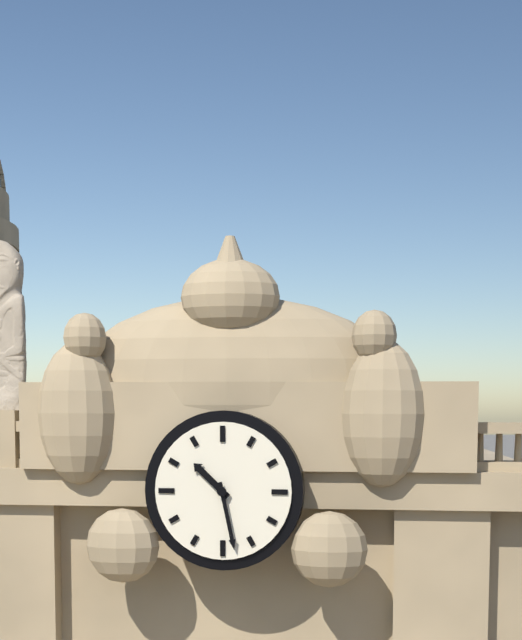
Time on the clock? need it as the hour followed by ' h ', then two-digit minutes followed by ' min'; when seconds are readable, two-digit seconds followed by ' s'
10 h 28 min
